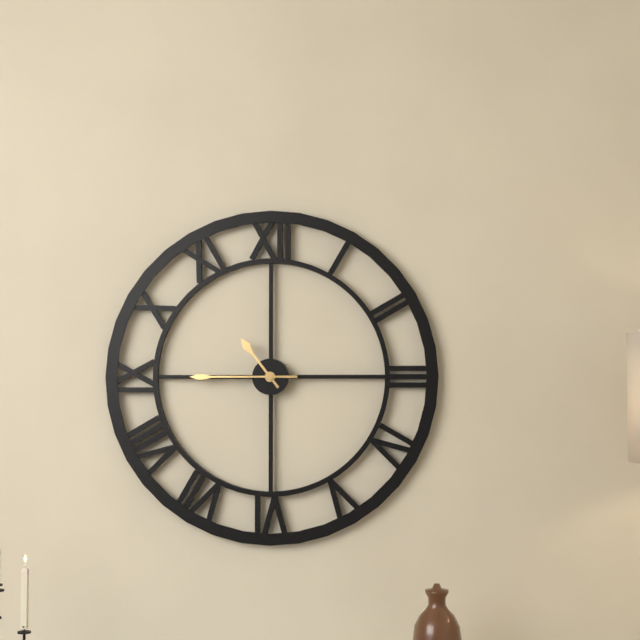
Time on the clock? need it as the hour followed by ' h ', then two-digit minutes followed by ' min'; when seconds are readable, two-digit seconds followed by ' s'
10 h 45 min
